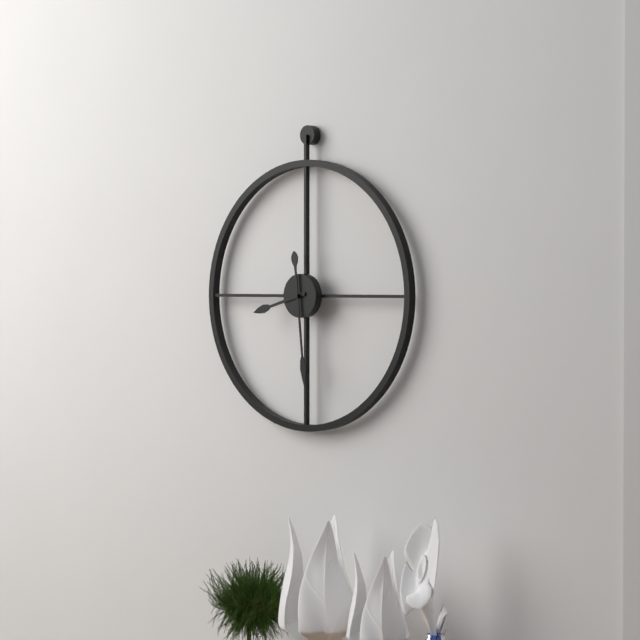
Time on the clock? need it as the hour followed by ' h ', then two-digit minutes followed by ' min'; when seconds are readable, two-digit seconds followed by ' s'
8 h 29 min
